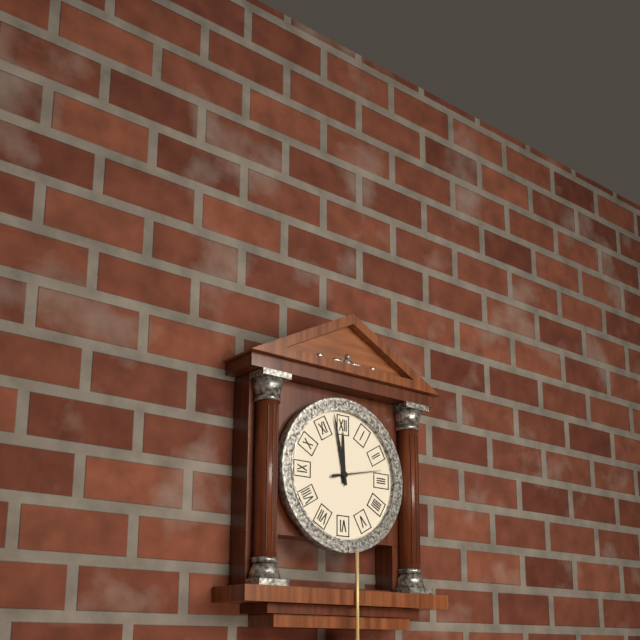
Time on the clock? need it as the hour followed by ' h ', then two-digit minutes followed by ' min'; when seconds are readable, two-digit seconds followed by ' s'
11 h 58 min
